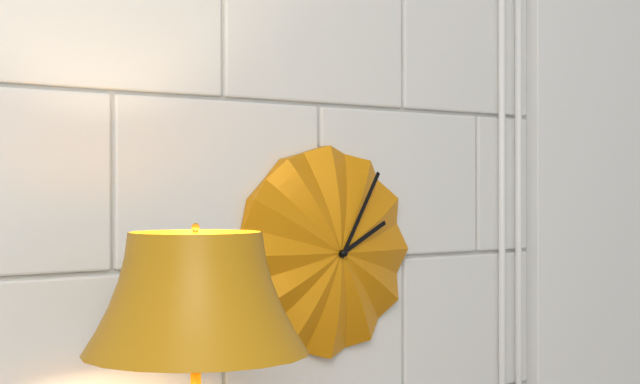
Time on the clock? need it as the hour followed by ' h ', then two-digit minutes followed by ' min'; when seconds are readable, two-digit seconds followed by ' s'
2 h 05 min
